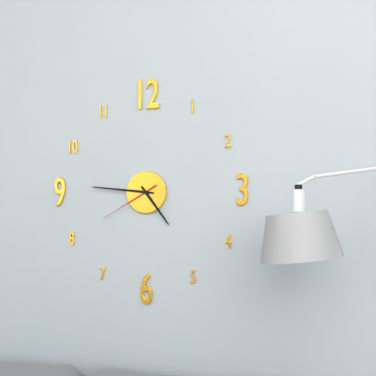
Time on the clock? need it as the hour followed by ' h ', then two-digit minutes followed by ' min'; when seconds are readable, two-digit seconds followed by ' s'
4 h 46 min 40 s
